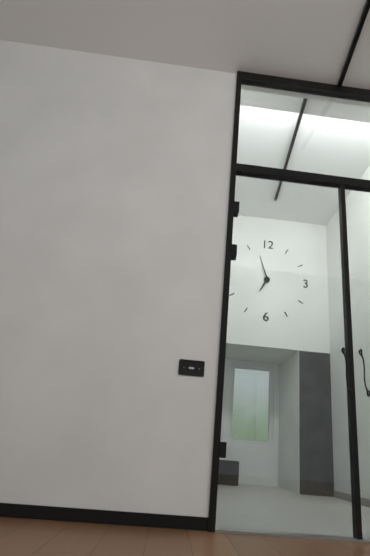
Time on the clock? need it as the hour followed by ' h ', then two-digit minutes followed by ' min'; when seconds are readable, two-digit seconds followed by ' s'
6 h 57 min
